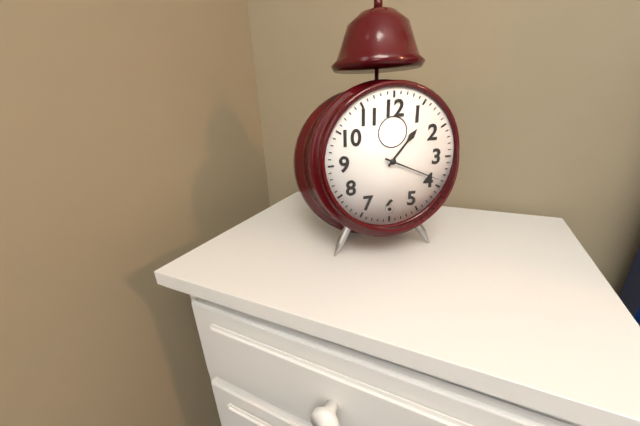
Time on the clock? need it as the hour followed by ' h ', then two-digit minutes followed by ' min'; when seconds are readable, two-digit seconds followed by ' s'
1 h 19 min
